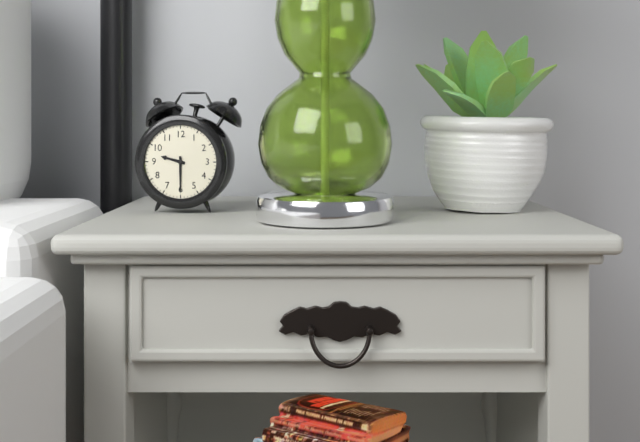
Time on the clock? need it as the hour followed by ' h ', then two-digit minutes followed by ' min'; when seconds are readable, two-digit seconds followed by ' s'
9 h 30 min
